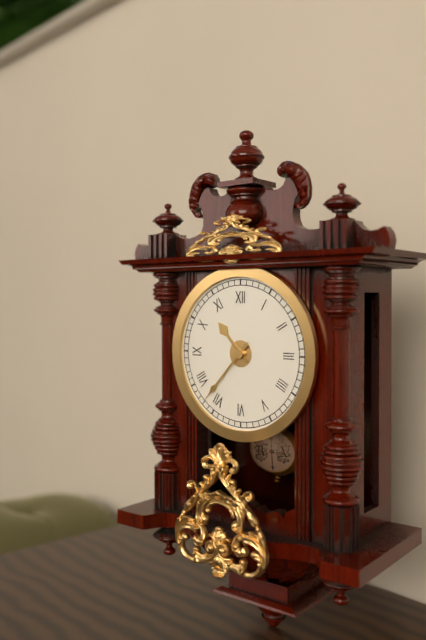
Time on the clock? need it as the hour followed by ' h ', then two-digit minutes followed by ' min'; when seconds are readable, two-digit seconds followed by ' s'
10 h 37 min
